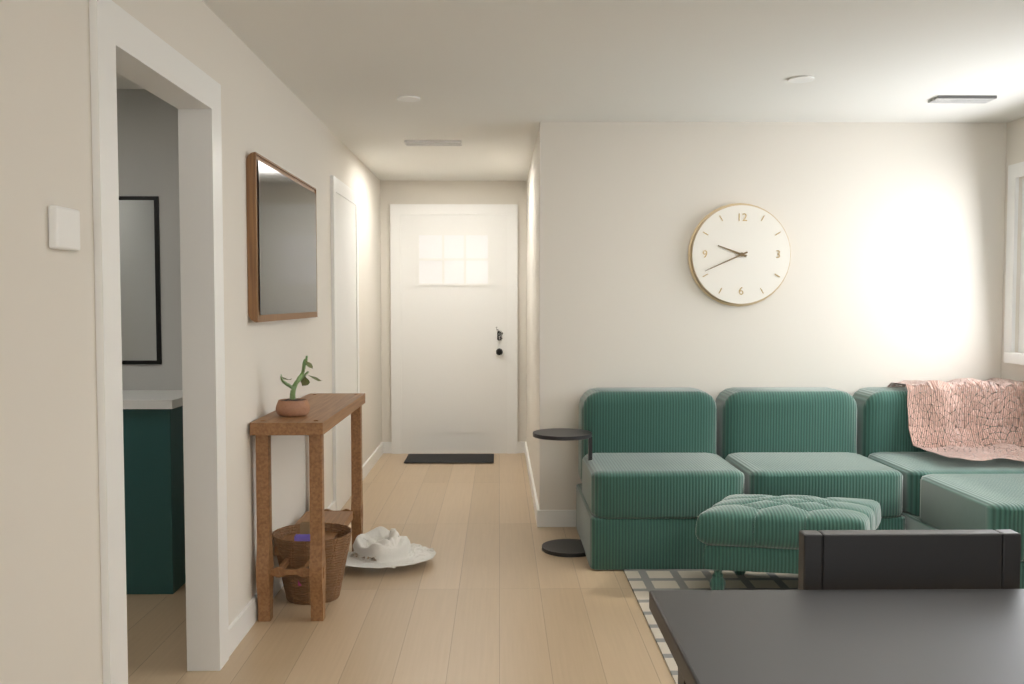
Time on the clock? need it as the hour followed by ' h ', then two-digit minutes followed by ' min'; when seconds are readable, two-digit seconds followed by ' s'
9 h 41 min
